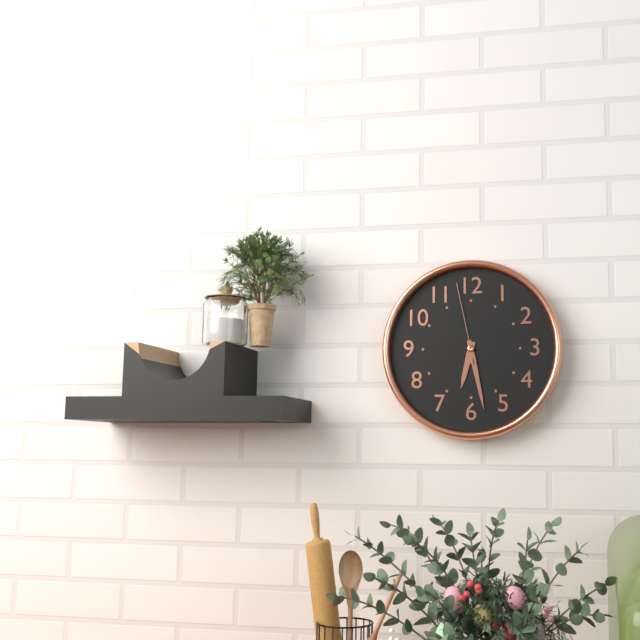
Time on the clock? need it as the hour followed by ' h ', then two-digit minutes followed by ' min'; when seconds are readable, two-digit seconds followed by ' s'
6 h 28 min 58 s
